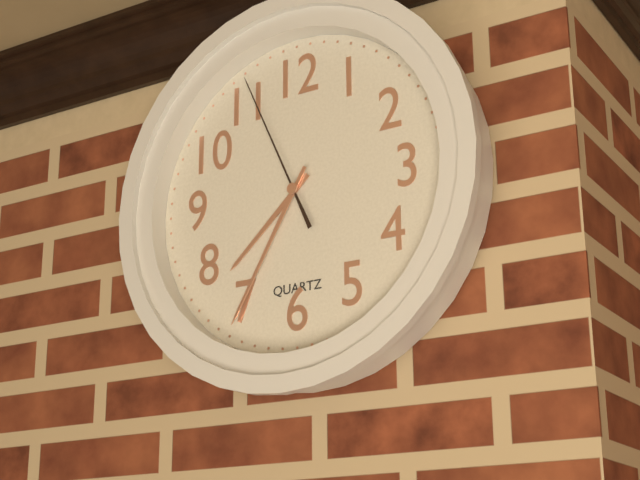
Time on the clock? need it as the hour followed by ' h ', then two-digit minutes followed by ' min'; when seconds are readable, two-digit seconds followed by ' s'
7 h 35 min 56 s
